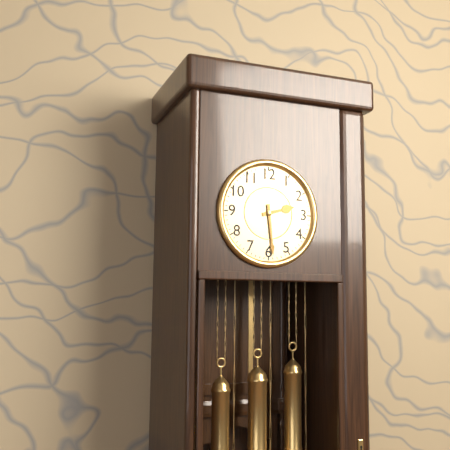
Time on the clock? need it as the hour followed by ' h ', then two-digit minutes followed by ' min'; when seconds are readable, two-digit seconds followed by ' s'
2 h 29 min
